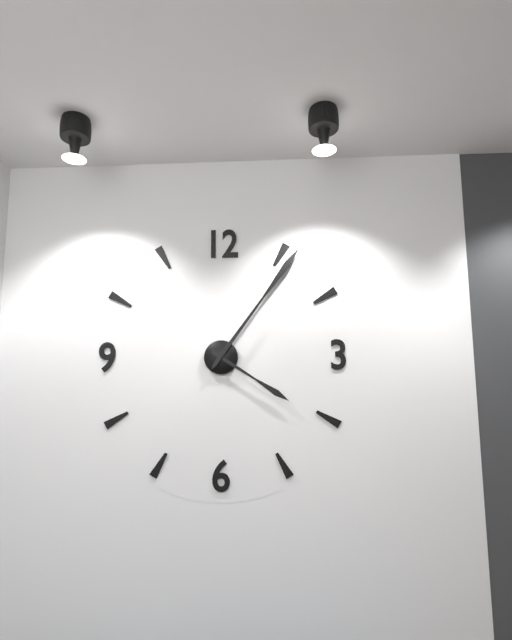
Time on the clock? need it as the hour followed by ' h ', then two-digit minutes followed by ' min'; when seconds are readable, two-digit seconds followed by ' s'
4 h 06 min
